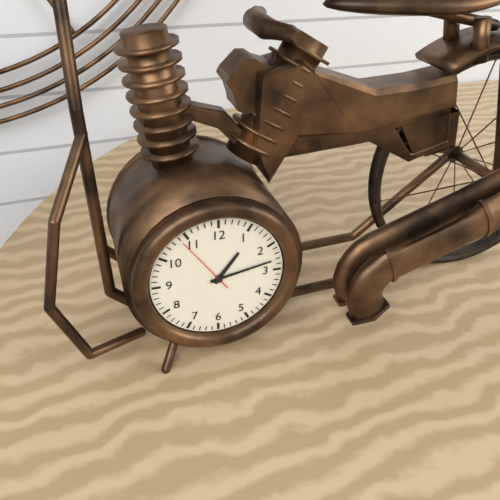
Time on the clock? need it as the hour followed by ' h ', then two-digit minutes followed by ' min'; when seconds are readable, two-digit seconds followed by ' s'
1 h 13 min 54 s
